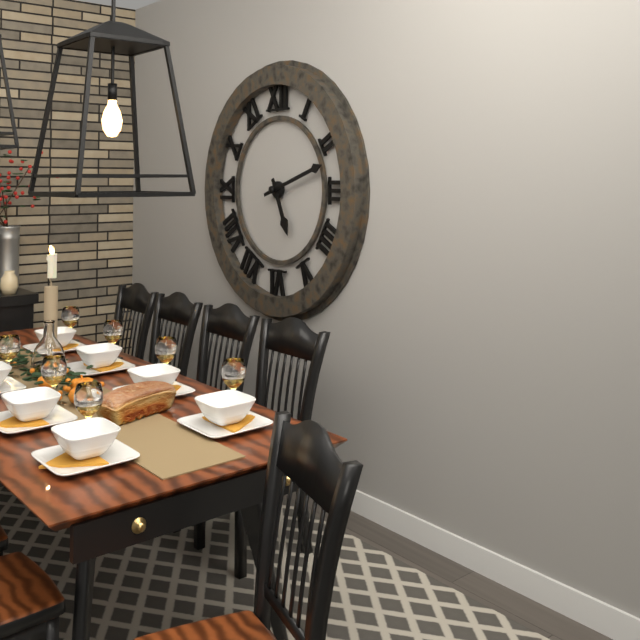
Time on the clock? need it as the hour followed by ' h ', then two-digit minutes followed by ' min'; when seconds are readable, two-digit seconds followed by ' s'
5 h 12 min
